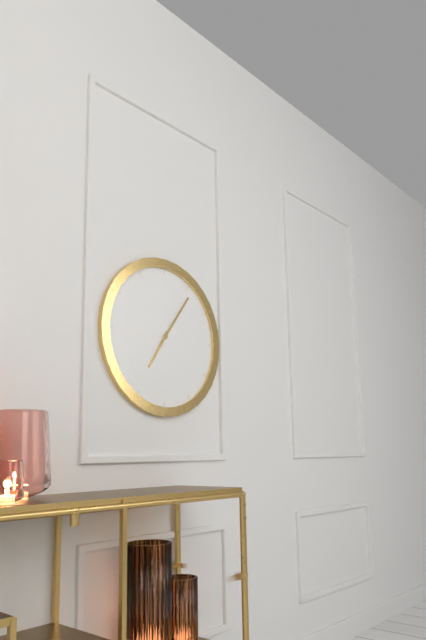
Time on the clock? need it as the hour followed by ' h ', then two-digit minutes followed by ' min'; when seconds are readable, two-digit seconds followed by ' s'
7 h 06 min
